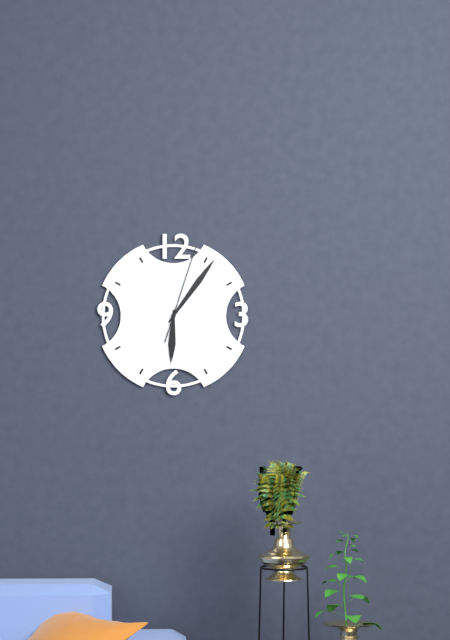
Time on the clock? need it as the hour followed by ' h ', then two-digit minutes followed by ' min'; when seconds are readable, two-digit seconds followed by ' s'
6 h 06 min 03 s
